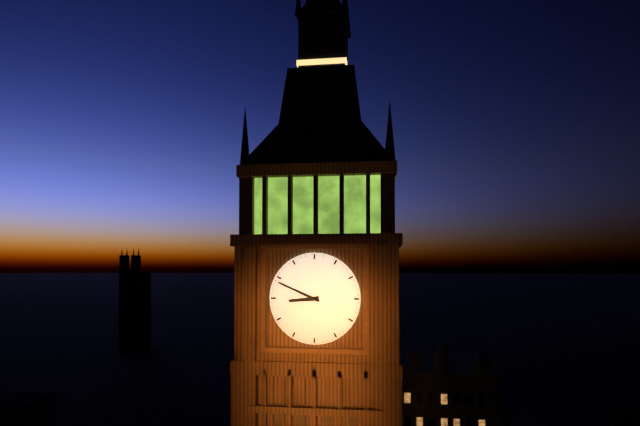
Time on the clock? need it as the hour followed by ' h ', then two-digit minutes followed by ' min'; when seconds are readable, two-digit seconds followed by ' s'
8 h 49 min
